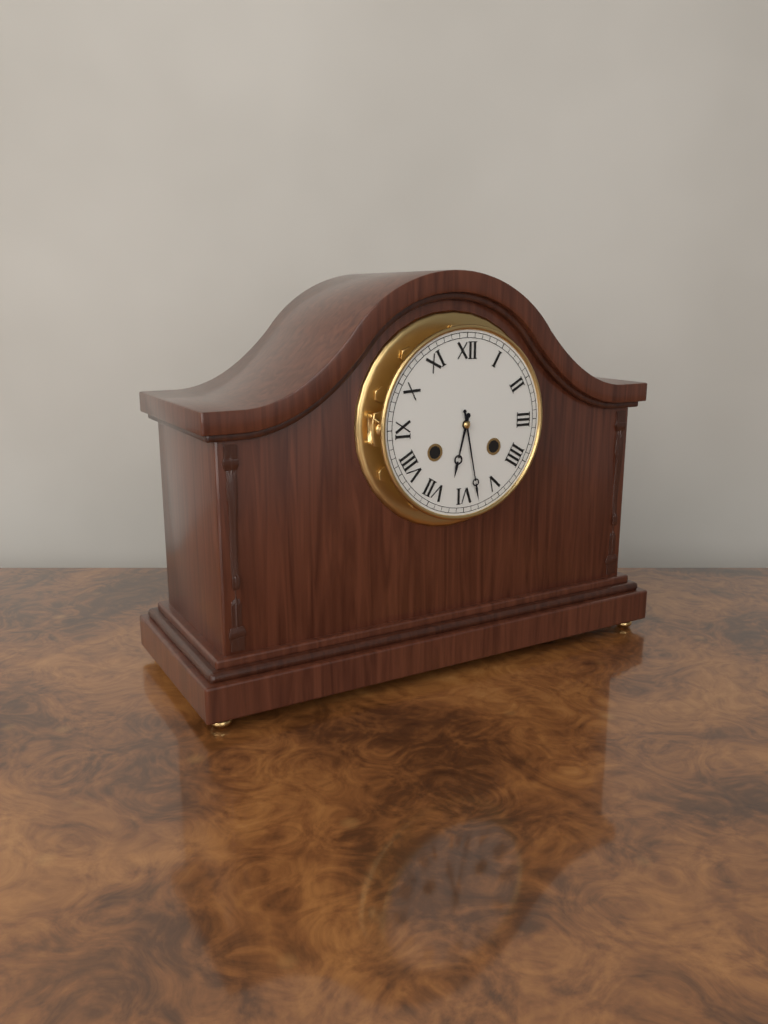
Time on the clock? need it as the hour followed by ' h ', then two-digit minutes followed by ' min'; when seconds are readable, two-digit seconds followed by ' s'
6 h 28 min
